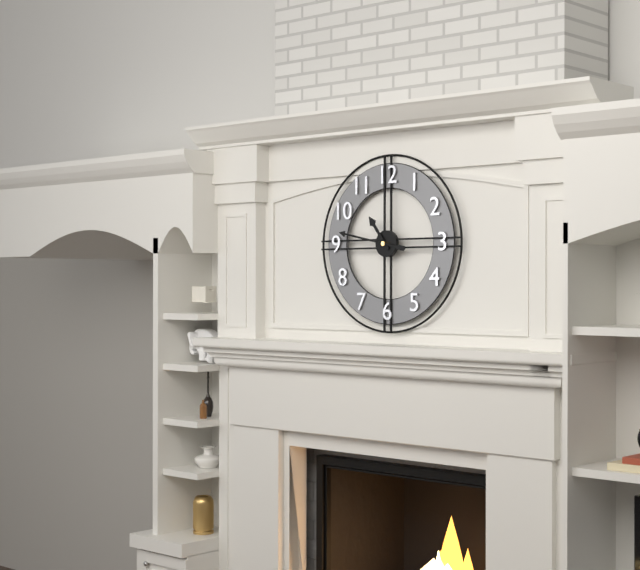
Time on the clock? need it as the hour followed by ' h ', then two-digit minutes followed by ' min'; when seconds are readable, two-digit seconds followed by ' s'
10 h 47 min
